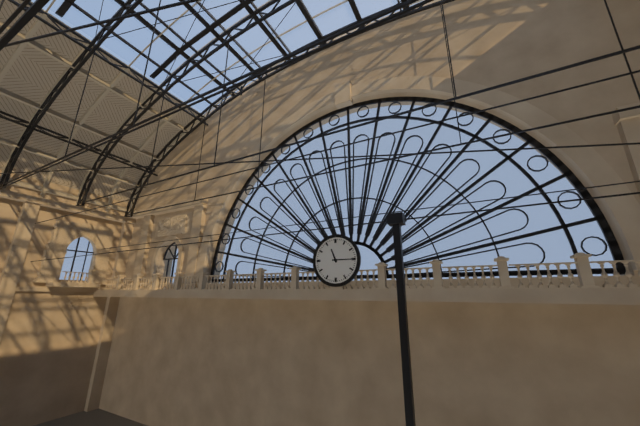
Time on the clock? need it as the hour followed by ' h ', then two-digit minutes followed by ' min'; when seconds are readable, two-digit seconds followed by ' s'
11 h 15 min
